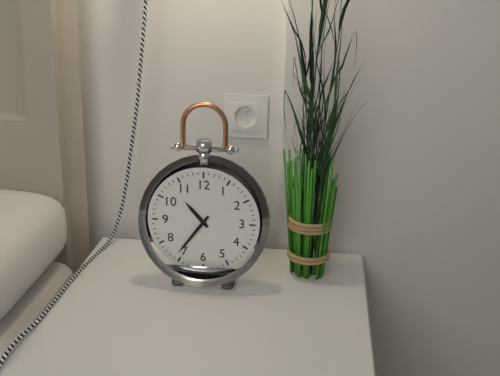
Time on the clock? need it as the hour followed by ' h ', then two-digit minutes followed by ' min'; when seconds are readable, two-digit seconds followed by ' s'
10 h 36 min
